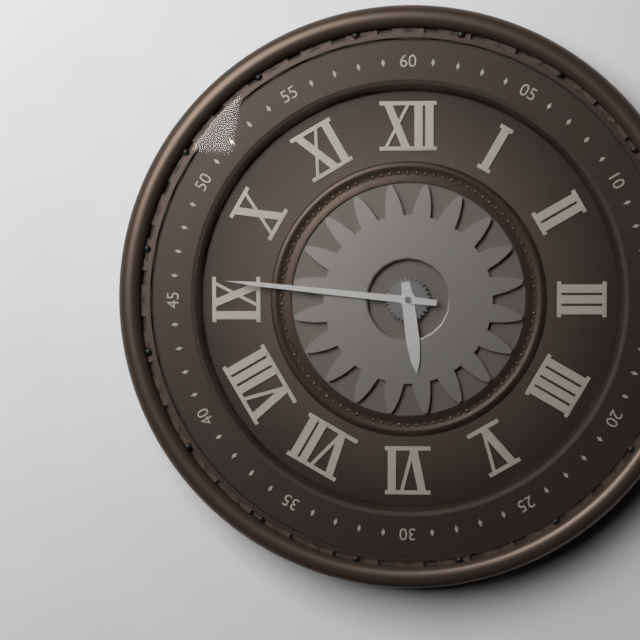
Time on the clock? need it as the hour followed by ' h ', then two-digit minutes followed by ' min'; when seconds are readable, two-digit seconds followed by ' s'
5 h 46 min
